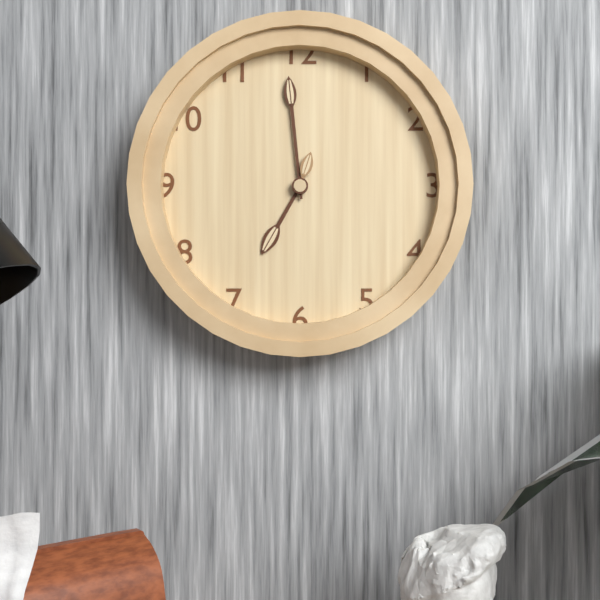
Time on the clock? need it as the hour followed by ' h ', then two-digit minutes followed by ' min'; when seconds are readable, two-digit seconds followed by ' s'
6 h 59 min
